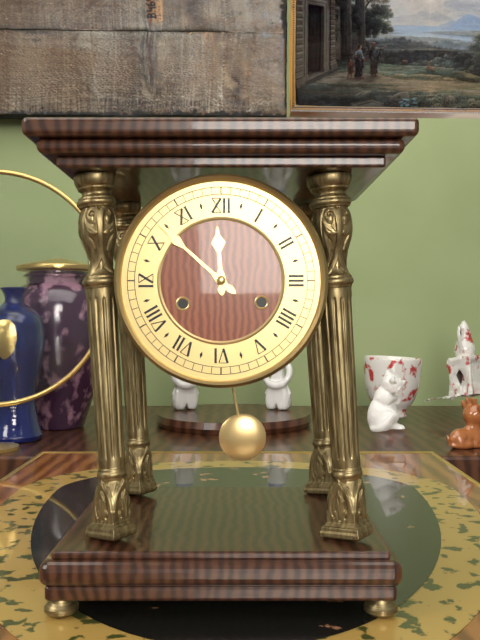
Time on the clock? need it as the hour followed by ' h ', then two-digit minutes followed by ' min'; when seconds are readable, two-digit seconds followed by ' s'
11 h 52 min
